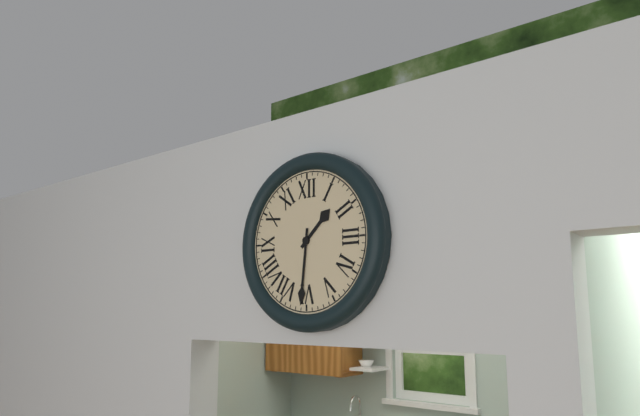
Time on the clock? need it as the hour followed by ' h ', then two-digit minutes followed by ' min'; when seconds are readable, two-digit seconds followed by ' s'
1 h 31 min
